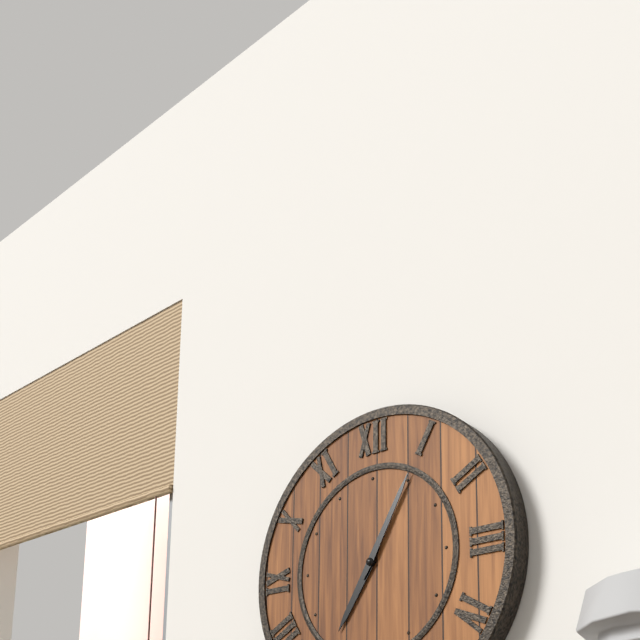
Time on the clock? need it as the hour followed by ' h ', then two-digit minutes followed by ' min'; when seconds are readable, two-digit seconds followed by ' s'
7 h 05 min
